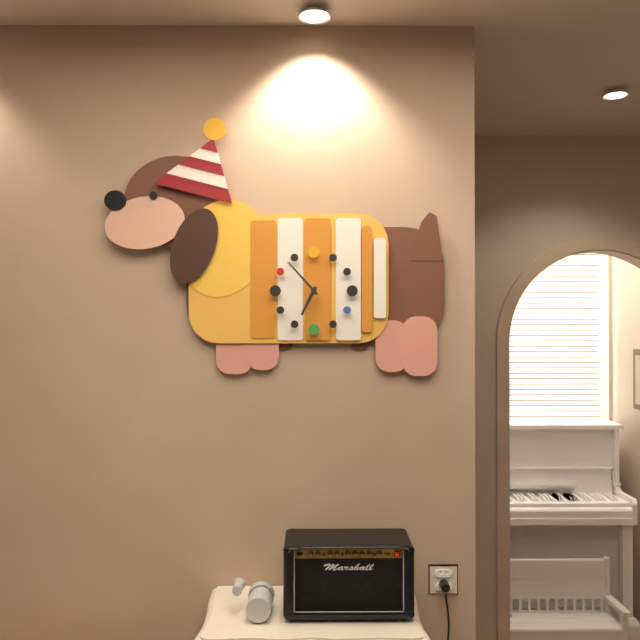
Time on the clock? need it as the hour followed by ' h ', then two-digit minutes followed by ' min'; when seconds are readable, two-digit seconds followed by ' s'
6 h 53 min
